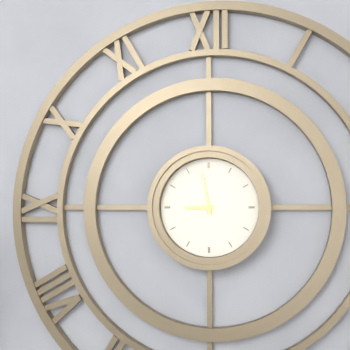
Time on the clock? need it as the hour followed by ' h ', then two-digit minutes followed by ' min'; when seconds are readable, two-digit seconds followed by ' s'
8 h 58 min
